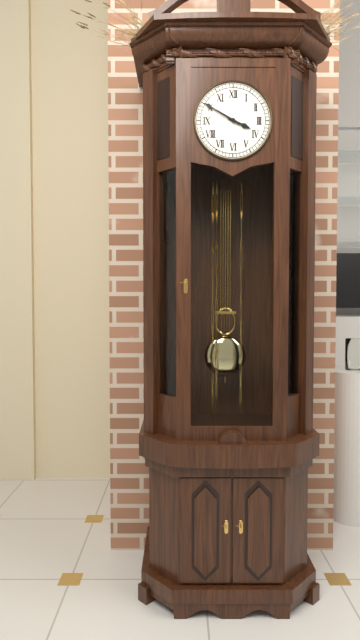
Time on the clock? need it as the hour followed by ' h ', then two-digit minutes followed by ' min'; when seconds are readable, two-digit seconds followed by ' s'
3 h 50 min
